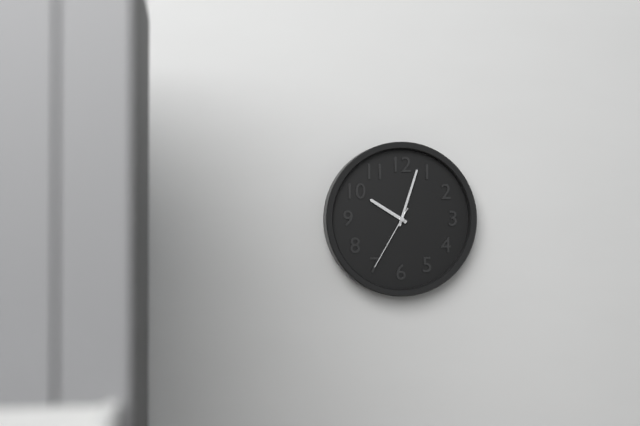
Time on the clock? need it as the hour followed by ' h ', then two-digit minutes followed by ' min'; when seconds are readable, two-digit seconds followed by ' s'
10 h 03 min 35 s
